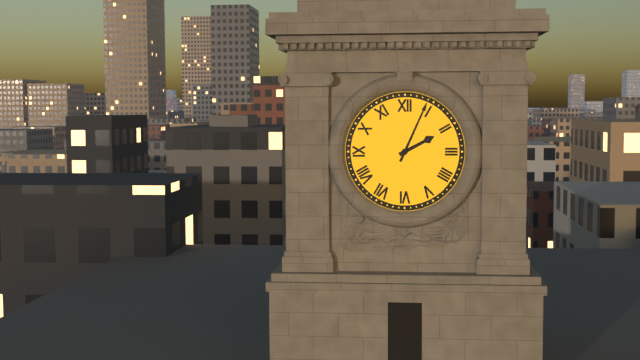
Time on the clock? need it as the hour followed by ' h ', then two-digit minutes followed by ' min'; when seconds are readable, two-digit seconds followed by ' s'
2 h 04 min
